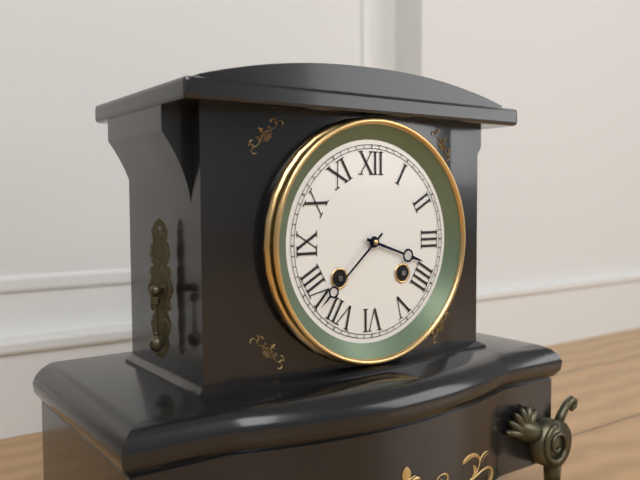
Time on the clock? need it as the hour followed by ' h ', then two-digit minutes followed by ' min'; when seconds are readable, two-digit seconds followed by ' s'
3 h 38 min
